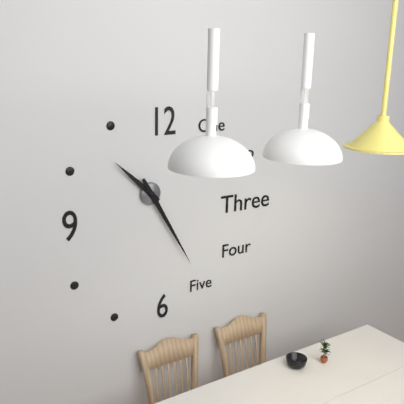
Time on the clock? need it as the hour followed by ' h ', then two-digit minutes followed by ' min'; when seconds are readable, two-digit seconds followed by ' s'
10 h 25 min
